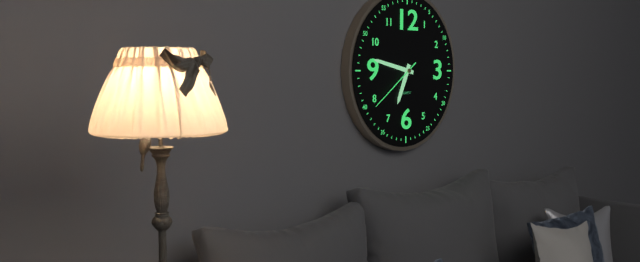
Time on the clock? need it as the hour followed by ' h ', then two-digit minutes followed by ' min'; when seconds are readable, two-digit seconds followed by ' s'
6 h 47 min 39 s
